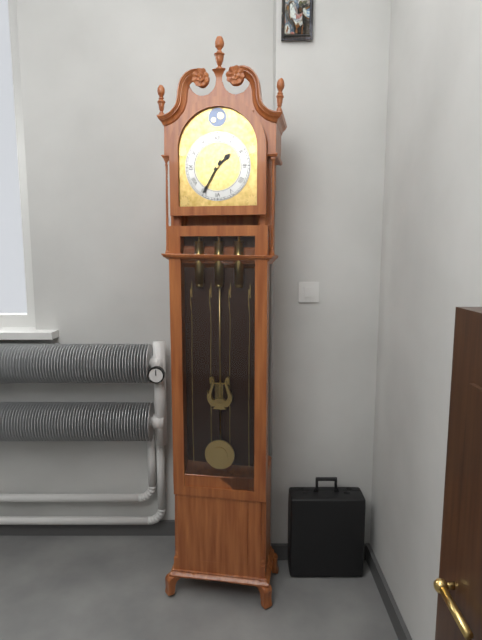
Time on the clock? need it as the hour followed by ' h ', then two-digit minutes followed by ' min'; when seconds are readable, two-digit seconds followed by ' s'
1 h 35 min
